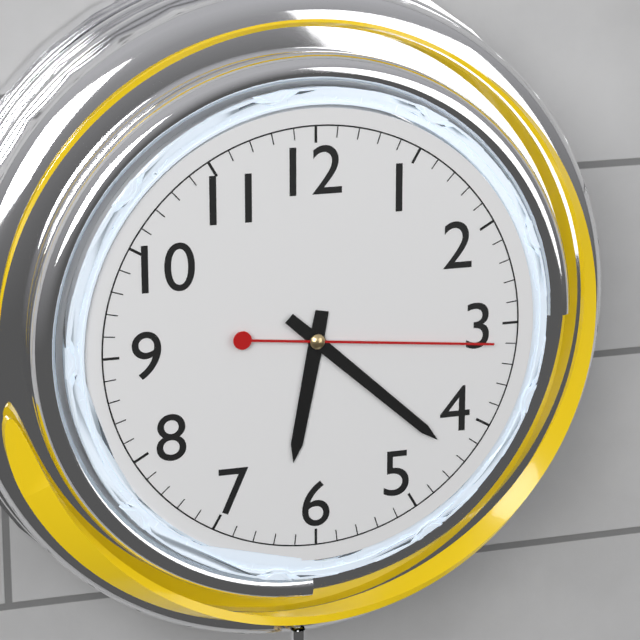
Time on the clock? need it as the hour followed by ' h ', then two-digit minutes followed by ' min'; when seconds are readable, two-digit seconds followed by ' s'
6 h 22 min 16 s
